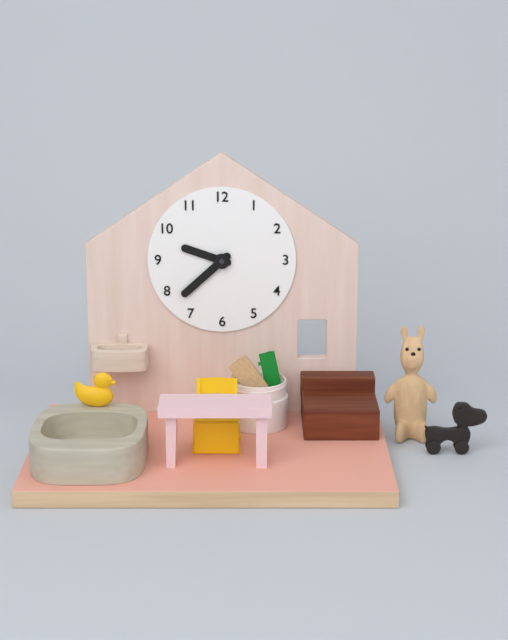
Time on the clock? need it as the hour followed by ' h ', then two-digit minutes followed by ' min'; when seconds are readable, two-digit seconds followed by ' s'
9 h 38 min
